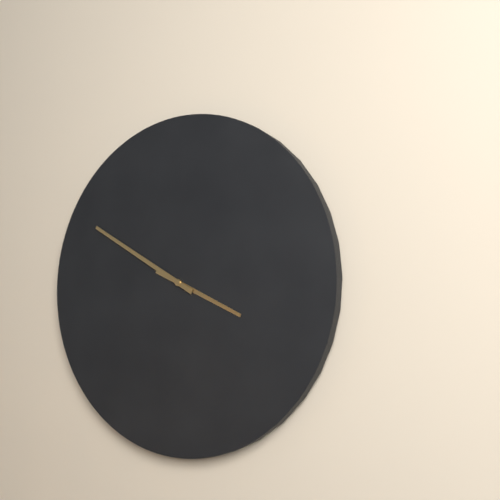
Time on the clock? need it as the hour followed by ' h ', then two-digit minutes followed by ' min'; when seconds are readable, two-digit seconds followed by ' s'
3 h 50 min
